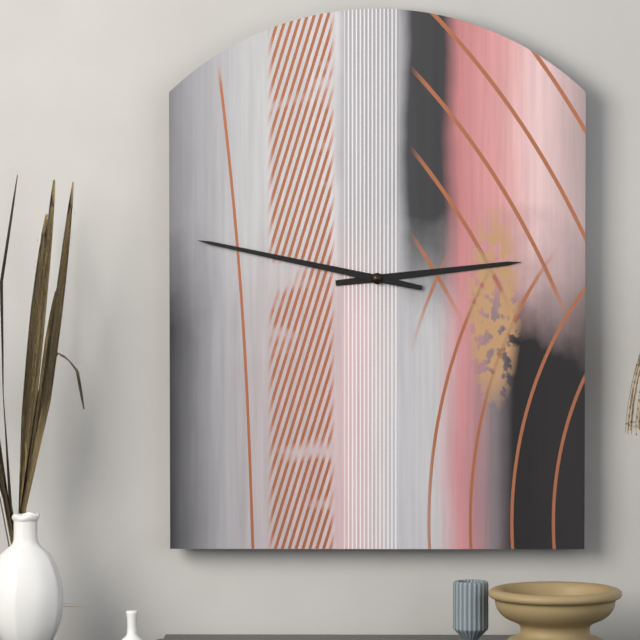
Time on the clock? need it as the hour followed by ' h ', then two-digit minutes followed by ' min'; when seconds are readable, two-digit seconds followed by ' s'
2 h 47 min
